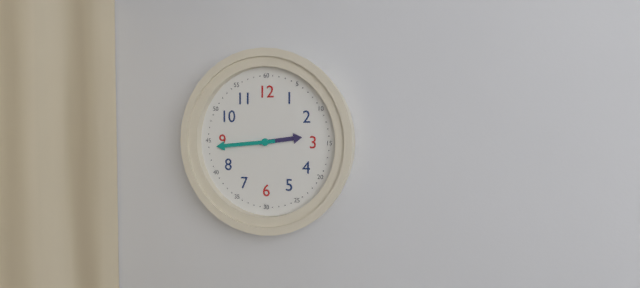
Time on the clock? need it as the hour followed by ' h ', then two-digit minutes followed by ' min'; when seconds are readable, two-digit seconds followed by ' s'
2 h 44 min
